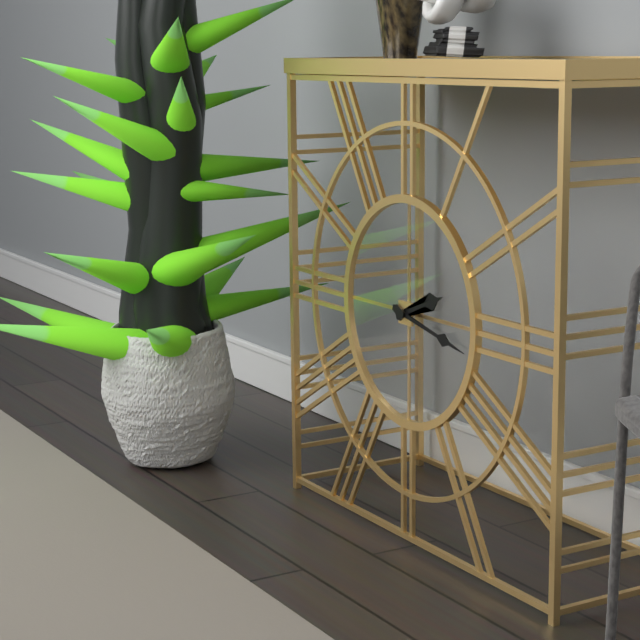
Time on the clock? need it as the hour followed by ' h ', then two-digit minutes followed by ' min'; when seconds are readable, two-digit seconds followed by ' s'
2 h 17 min
